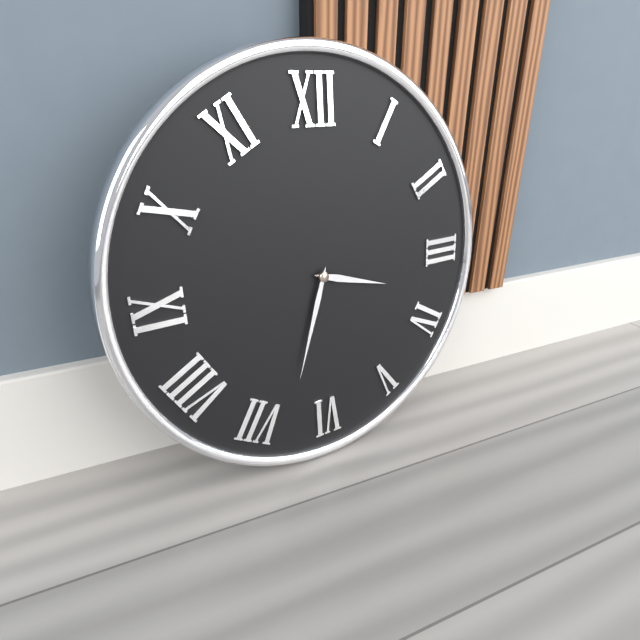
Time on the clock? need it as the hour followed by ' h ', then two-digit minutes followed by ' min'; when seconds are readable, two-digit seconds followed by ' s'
3 h 33 min
